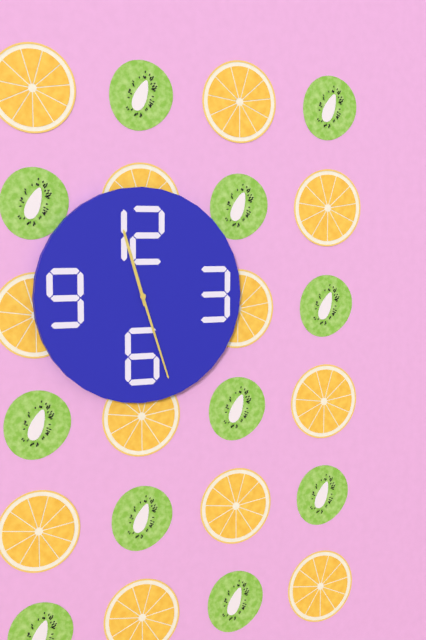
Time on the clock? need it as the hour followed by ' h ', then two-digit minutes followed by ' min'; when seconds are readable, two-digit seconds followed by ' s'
11 h 27 min
